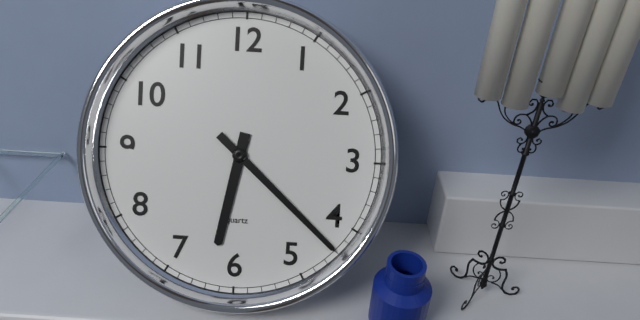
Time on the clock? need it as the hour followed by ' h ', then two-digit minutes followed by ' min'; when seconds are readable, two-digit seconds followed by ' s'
6 h 22 min
